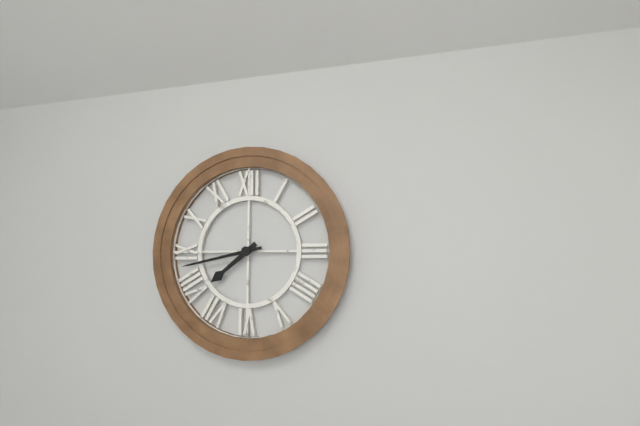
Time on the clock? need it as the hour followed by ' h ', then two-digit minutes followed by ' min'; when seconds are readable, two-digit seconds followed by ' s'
7 h 43 min
